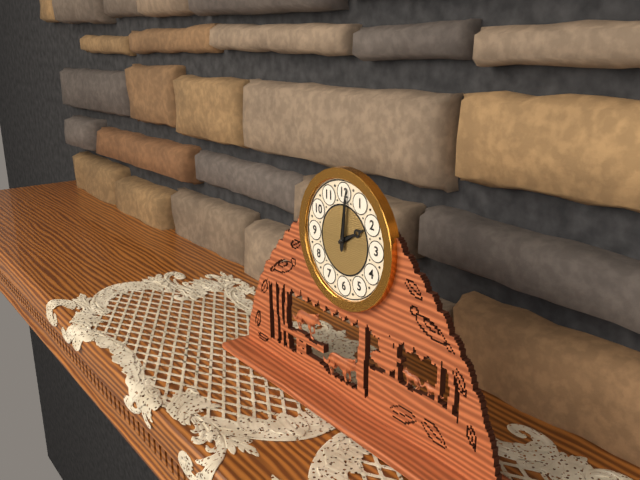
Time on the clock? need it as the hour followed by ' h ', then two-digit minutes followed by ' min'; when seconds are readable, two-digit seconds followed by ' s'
2 h 01 min
